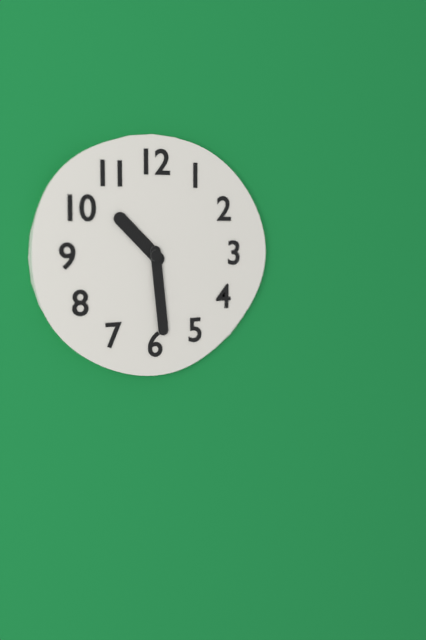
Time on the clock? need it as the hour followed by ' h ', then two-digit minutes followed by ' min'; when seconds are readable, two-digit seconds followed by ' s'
10 h 29 min
